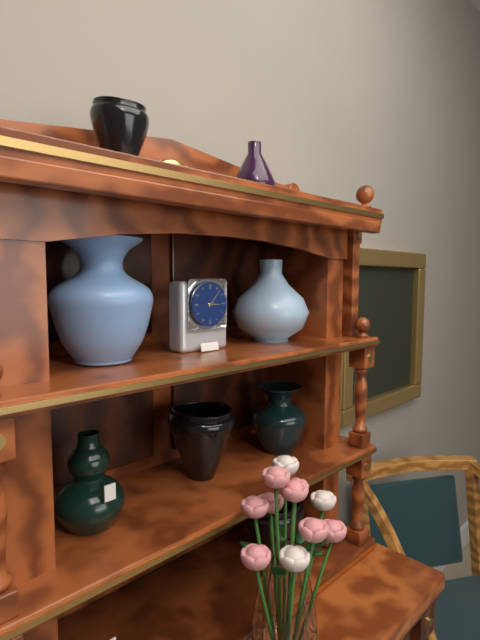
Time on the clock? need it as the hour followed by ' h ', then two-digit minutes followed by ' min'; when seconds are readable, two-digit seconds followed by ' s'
3 h 07 min
